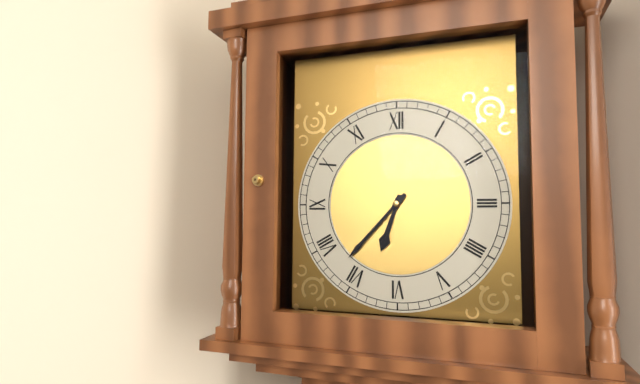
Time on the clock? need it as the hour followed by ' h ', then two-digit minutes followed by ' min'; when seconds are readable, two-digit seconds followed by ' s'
6 h 37 min
